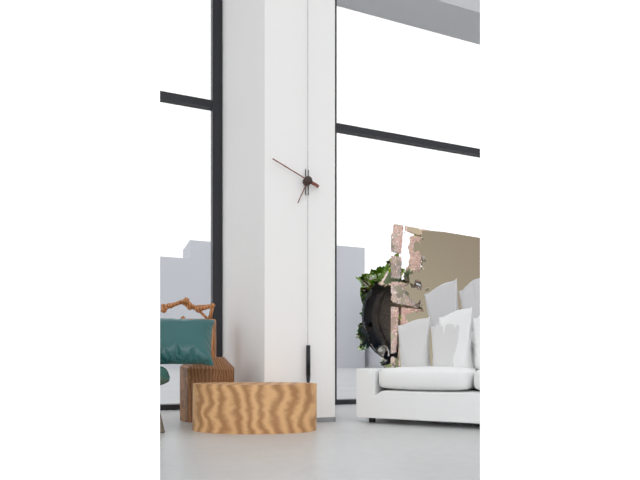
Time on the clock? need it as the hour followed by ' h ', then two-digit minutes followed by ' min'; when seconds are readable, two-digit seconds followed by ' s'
6 h 49 min
